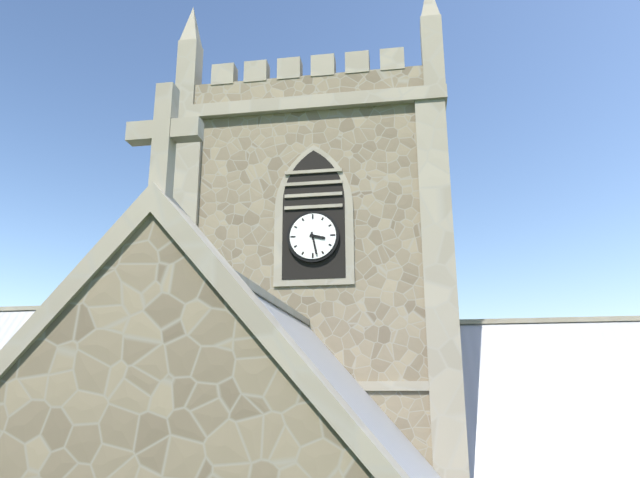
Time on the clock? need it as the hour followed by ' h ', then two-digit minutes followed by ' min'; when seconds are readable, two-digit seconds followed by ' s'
3 h 28 min
